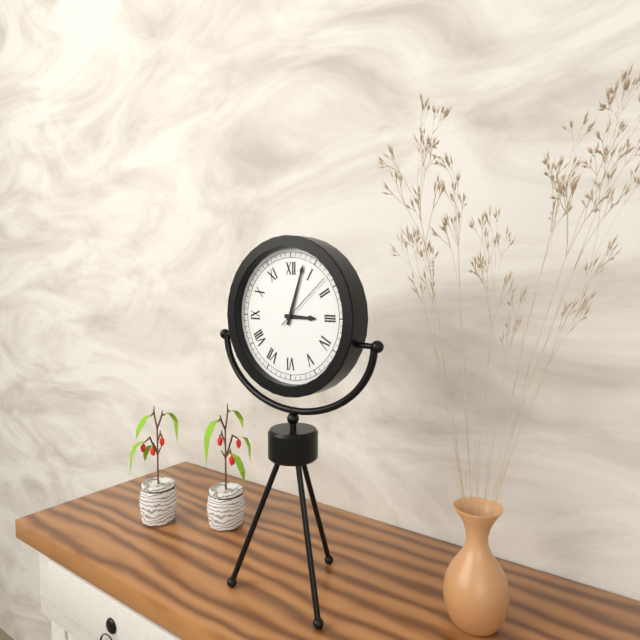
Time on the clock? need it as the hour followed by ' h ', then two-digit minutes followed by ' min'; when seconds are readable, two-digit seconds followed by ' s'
3 h 03 min 08 s
